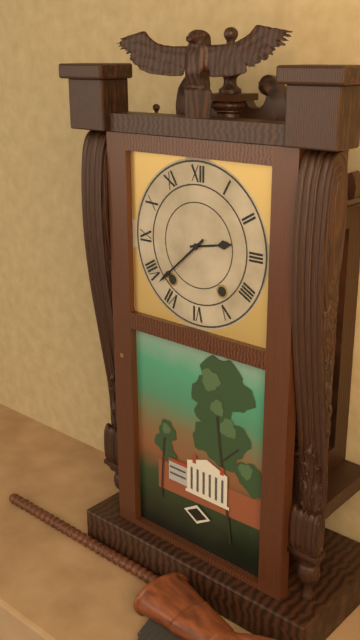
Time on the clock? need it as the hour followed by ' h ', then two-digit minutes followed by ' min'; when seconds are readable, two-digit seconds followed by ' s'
2 h 38 min
